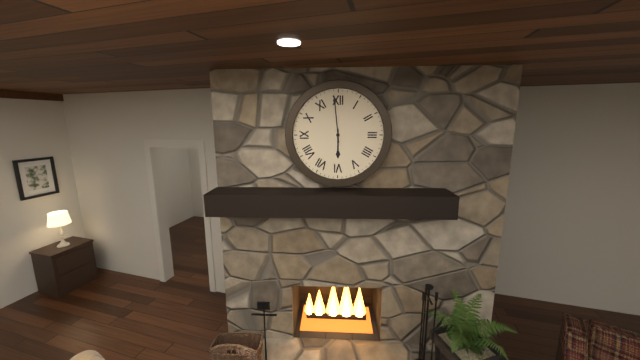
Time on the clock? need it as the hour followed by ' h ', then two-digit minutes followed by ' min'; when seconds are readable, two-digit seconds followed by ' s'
5 h 59 min
